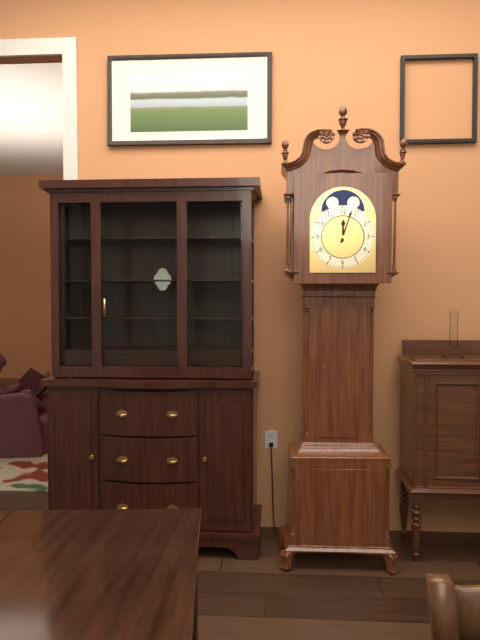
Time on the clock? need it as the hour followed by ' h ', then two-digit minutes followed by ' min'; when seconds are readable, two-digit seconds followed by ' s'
12 h 03 min
